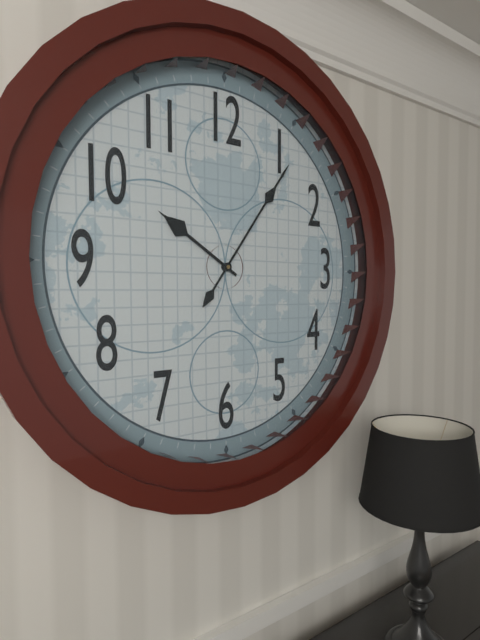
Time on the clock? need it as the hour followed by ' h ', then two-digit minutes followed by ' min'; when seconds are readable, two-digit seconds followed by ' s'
10 h 06 min
